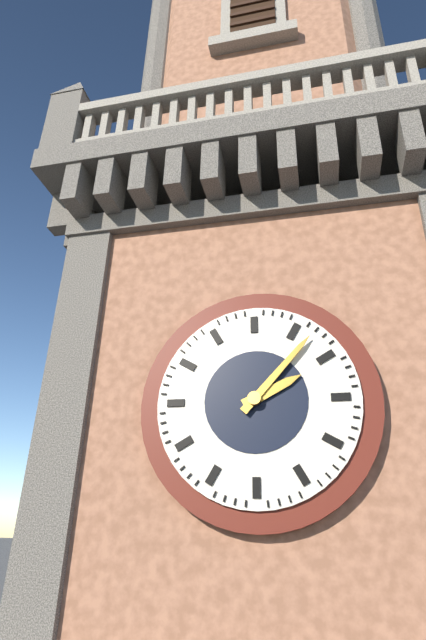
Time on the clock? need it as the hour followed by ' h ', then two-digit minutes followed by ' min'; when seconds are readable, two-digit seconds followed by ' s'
2 h 07 min
